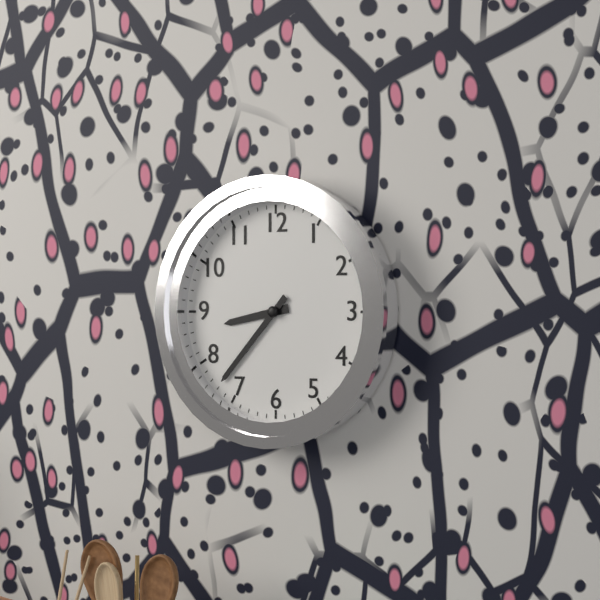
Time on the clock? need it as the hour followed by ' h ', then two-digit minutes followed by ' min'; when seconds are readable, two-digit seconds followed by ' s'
8 h 37 min
